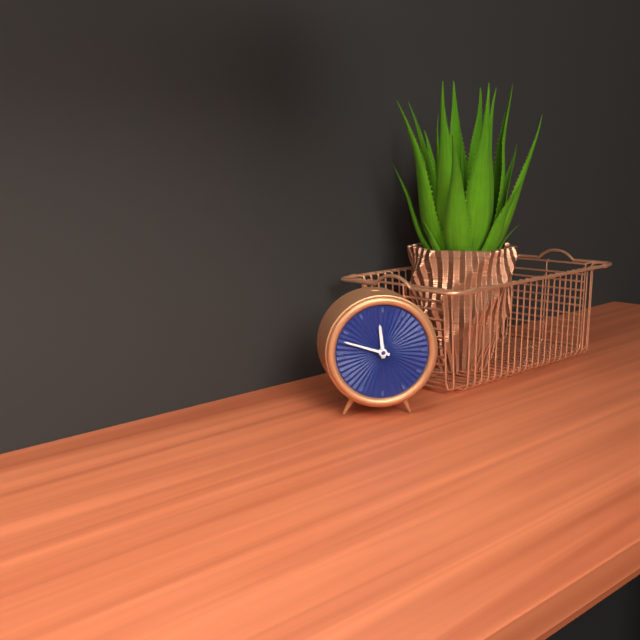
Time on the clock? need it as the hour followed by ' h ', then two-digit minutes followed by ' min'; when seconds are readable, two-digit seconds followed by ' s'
11 h 48 min
